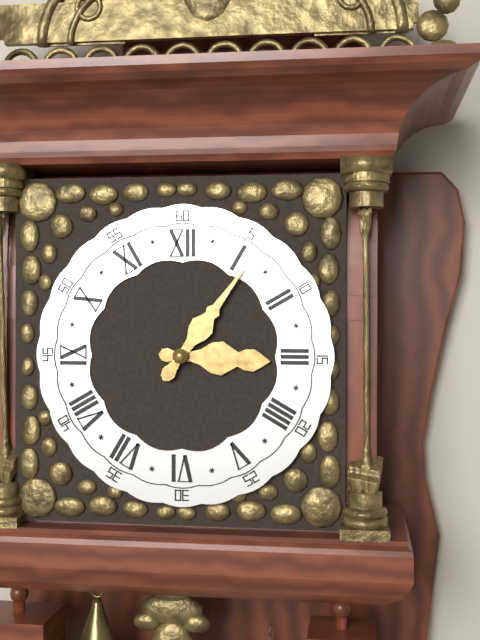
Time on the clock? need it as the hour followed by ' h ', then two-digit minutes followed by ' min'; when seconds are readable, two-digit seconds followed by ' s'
3 h 06 min
